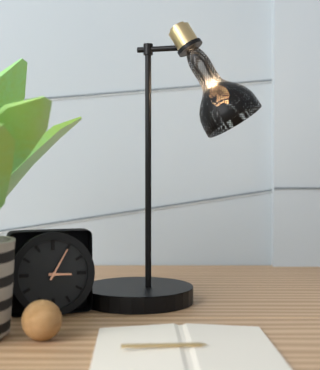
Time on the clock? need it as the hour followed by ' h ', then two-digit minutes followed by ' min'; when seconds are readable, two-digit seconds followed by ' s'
3 h 05 min
